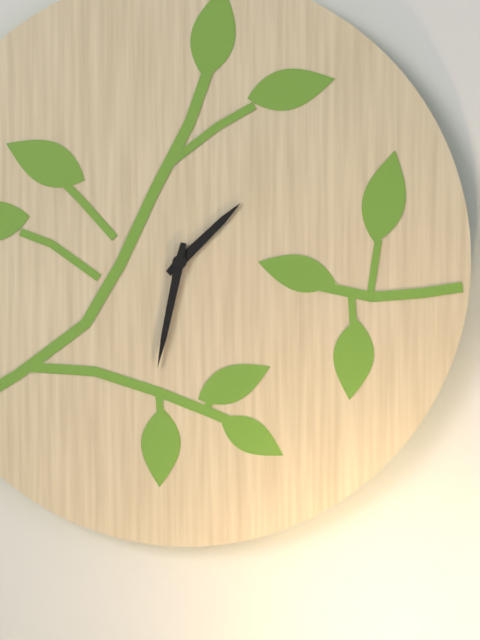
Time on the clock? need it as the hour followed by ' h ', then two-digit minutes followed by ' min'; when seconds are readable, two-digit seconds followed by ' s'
1 h 32 min
